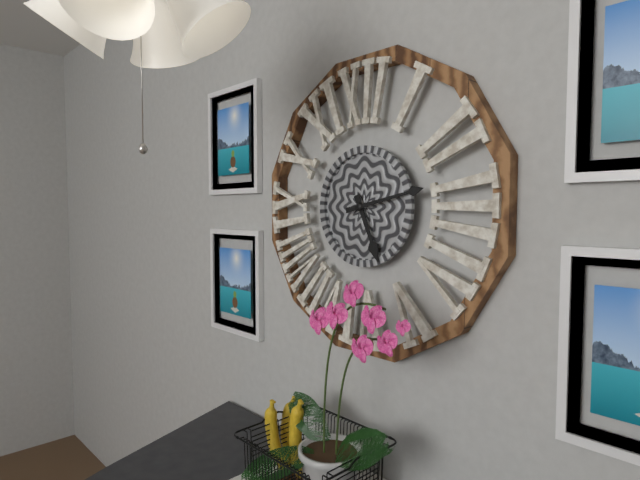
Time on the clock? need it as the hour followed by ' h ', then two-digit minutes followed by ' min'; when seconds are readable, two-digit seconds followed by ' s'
5 h 13 min
